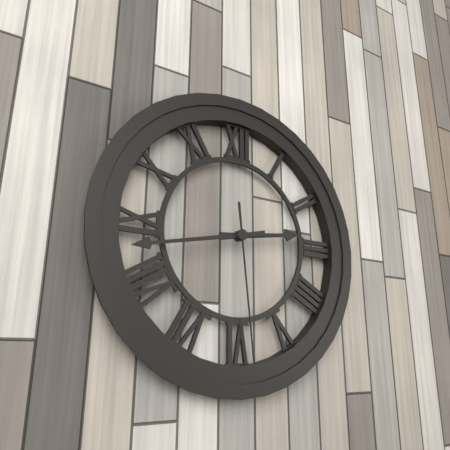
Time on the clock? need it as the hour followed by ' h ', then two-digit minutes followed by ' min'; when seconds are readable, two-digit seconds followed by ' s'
2 h 43 min 29 s
